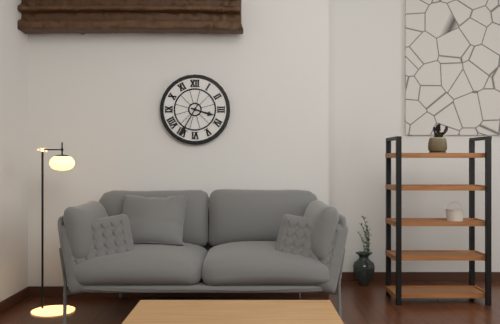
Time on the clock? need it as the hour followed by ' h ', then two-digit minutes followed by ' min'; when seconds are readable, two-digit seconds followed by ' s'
3 h 35 min
